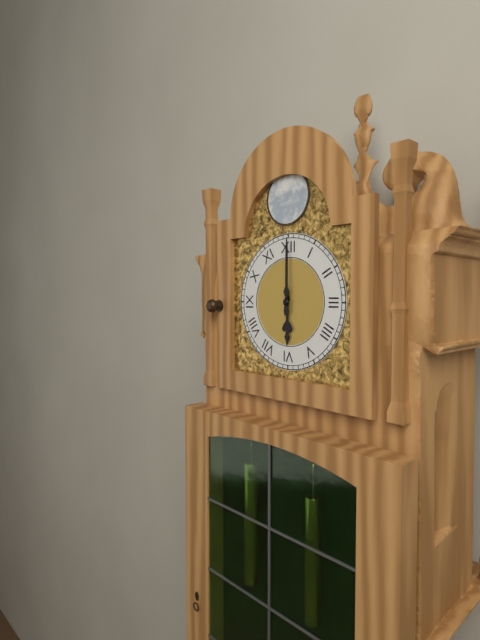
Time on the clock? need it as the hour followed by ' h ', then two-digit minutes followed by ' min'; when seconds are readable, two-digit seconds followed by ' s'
6 h 00 min
